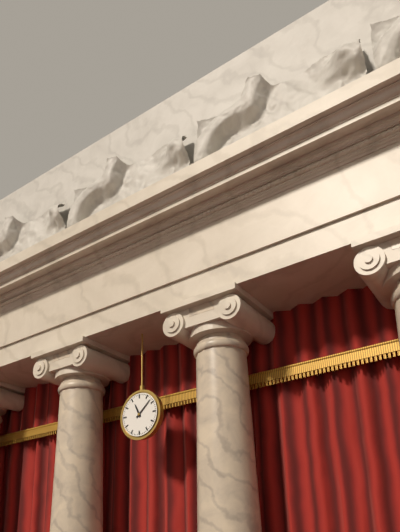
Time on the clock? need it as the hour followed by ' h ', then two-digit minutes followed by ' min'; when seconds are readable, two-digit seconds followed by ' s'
11 h 08 min
